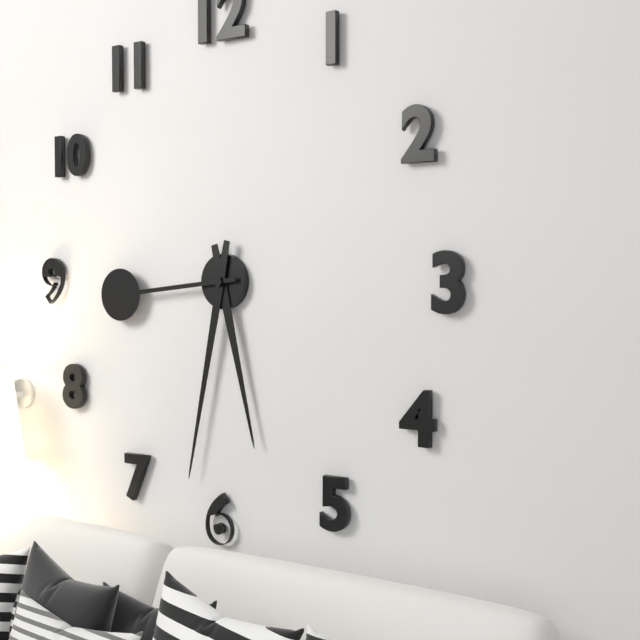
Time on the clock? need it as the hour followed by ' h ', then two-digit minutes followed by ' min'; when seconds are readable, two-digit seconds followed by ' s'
5 h 32 min 44 s
